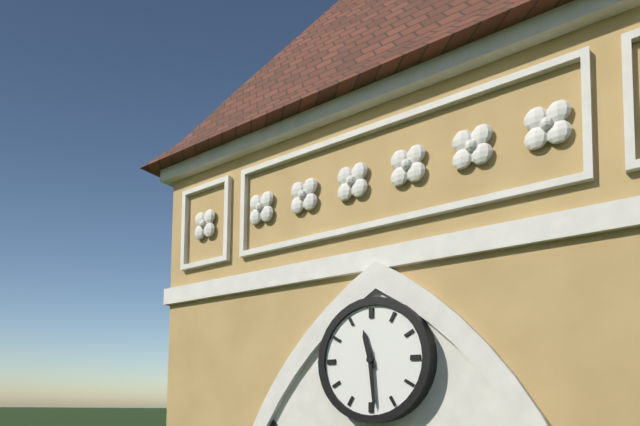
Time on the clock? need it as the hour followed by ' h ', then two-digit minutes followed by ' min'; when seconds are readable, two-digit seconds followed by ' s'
11 h 29 min
